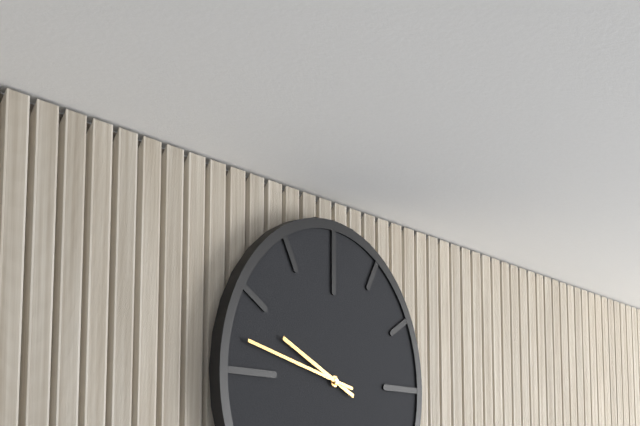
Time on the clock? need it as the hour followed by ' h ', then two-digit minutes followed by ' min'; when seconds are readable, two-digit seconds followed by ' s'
9 h 47 min
